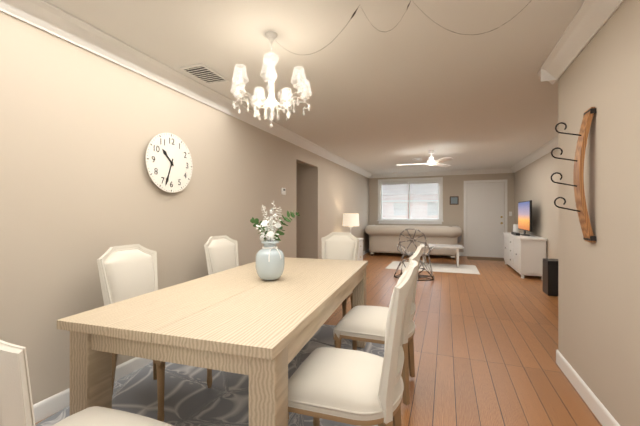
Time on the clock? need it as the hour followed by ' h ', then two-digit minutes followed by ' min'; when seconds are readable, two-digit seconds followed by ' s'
10 h 33 min
